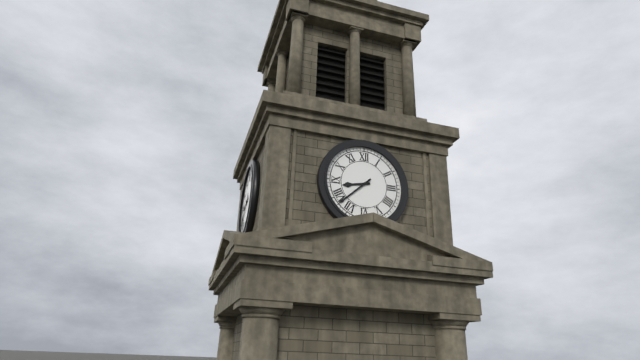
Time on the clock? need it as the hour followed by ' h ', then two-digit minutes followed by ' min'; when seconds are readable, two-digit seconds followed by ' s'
8 h 38 min
